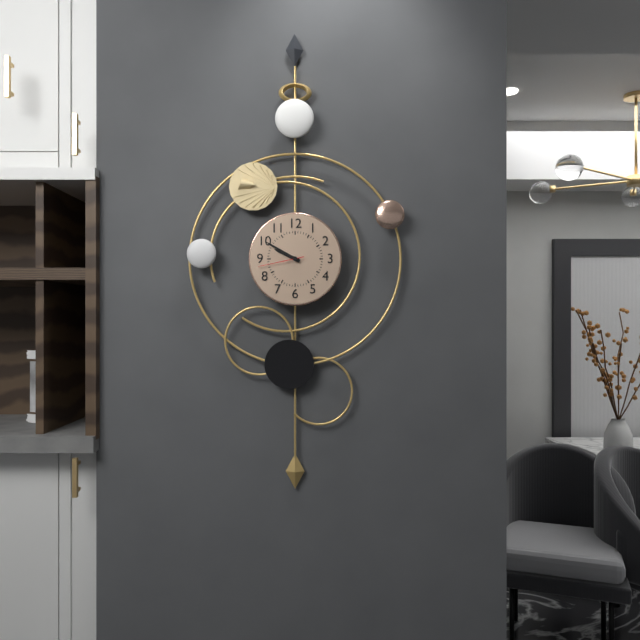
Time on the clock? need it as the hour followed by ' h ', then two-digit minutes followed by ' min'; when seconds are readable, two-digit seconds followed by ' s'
9 h 50 min
